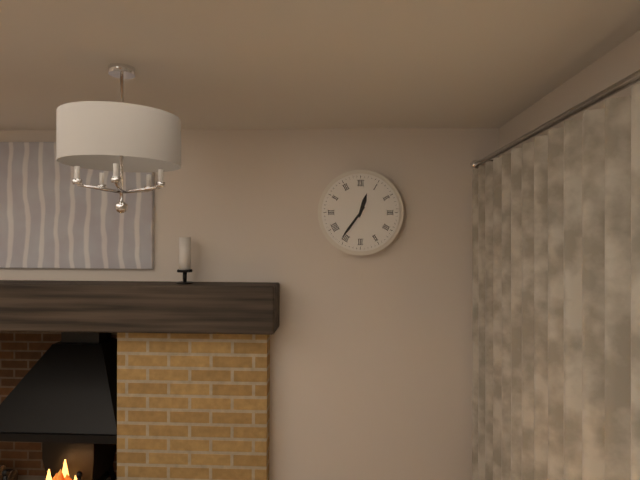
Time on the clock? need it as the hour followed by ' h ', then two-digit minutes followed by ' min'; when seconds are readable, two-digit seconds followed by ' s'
12 h 36 min
